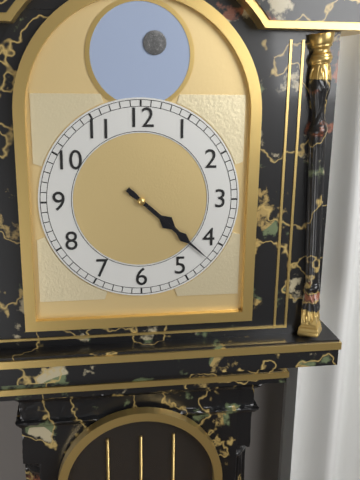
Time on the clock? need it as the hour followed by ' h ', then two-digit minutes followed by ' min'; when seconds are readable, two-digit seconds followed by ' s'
4 h 22 min
